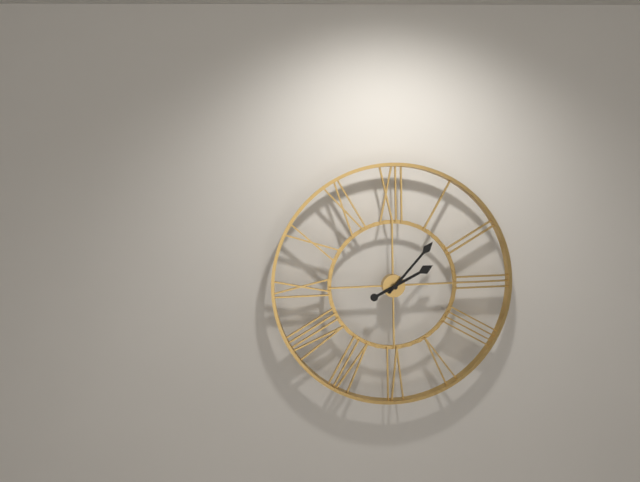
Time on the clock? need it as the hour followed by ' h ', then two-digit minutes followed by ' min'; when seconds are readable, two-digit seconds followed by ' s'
2 h 07 min
